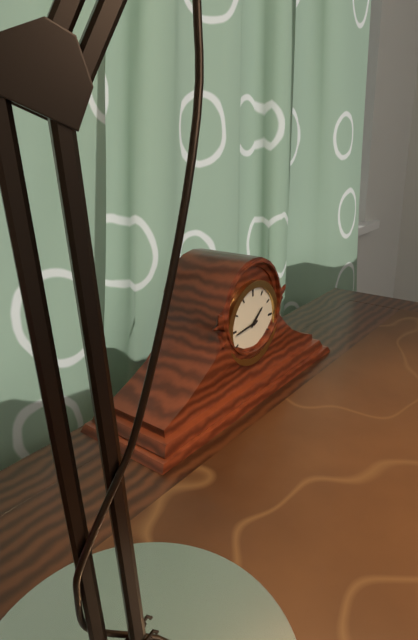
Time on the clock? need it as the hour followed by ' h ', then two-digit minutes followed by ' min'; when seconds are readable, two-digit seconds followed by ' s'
1 h 44 min
